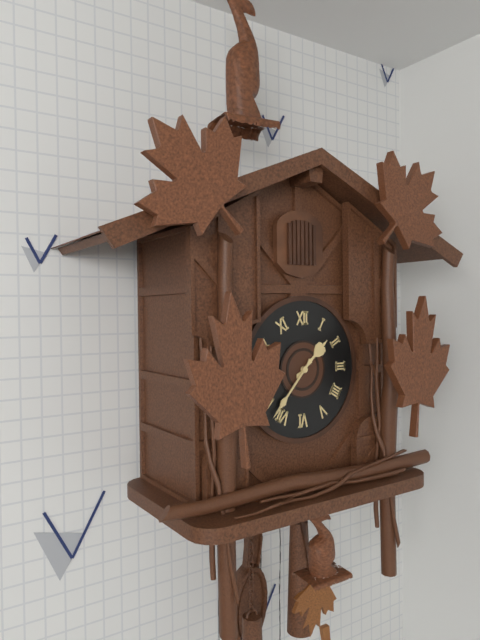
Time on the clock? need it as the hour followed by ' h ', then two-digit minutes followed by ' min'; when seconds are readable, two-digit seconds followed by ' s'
1 h 37 min
